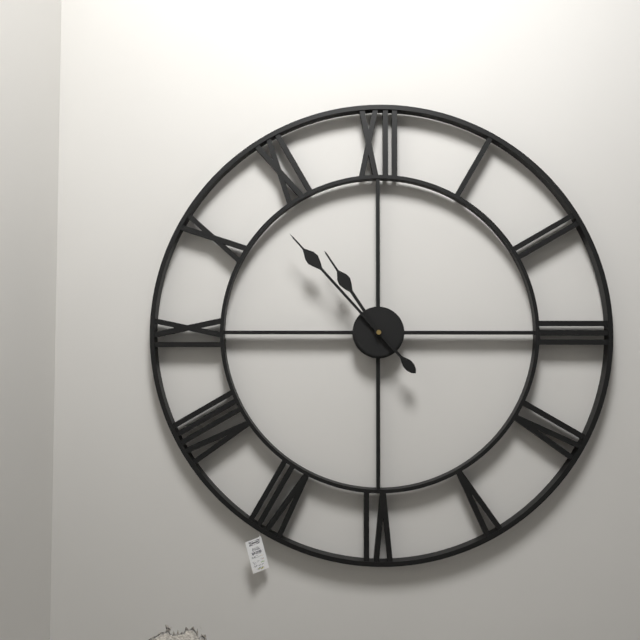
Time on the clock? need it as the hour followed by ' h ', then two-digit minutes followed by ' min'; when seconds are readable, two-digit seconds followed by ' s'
10 h 53 min
